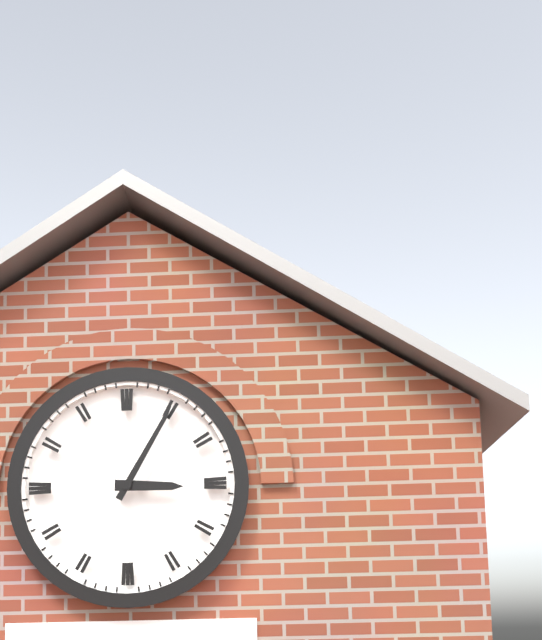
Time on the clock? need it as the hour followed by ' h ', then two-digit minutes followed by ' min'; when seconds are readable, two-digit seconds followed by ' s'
3 h 05 min
